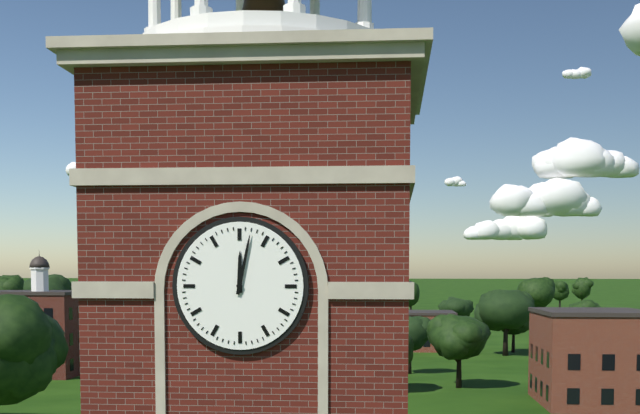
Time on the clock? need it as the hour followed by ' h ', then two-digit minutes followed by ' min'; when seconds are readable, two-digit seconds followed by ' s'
12 h 02 min
